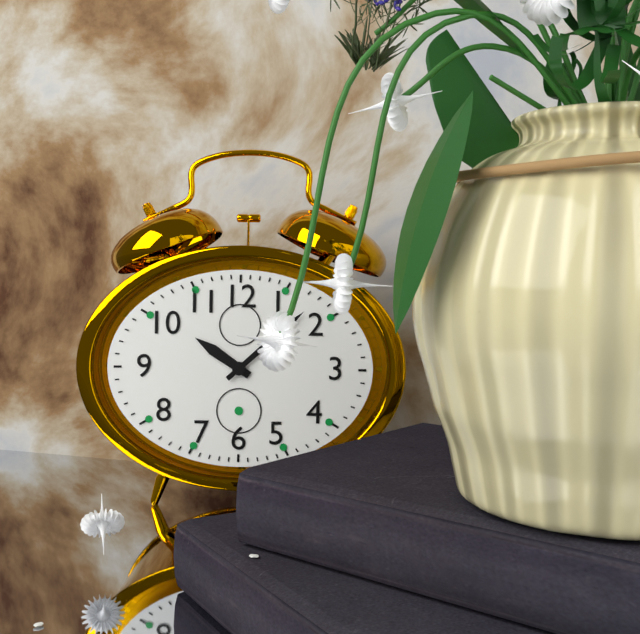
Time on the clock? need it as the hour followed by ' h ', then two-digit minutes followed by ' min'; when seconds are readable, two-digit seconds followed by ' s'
10 h 08 min
